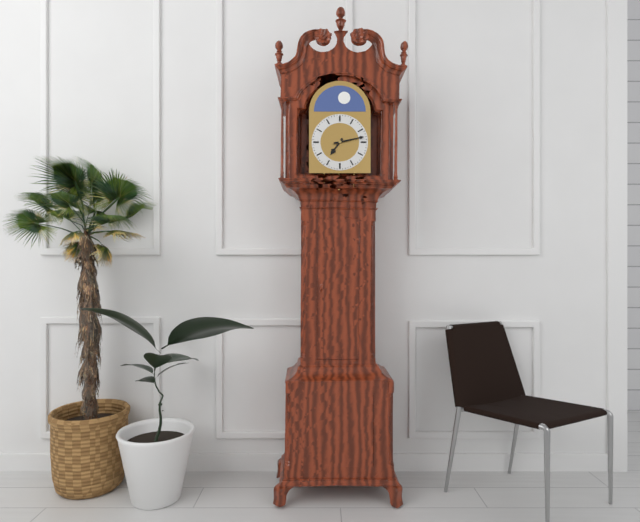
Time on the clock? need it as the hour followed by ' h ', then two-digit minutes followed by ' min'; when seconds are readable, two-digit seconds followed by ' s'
7 h 13 min
